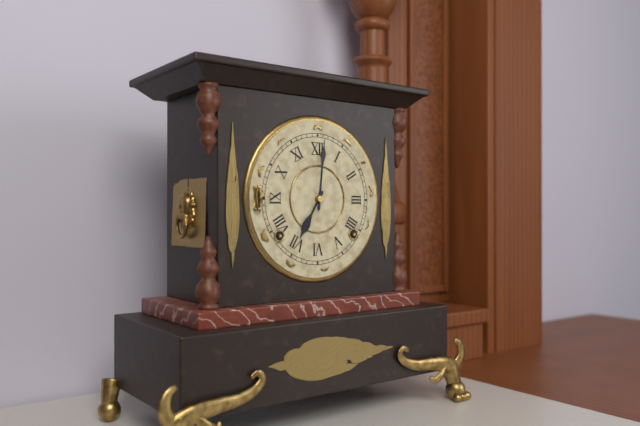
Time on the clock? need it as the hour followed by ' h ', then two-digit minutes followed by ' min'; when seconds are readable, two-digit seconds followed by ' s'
7 h 01 min
